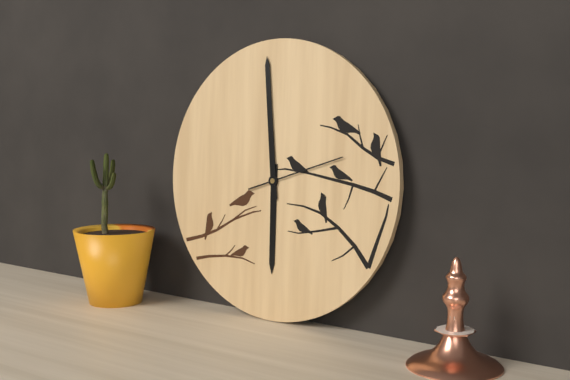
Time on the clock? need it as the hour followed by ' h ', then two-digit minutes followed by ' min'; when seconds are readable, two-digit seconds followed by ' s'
5 h 59 min 12 s
